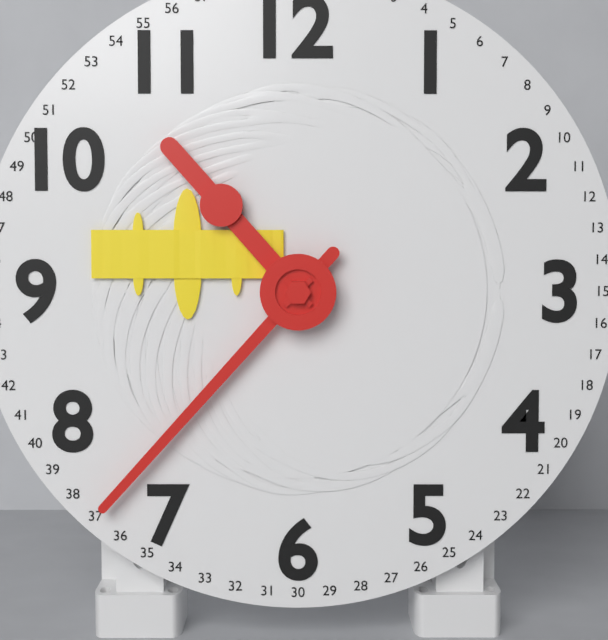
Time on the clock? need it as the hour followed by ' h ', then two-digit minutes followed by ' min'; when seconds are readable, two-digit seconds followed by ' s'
10 h 37 min
